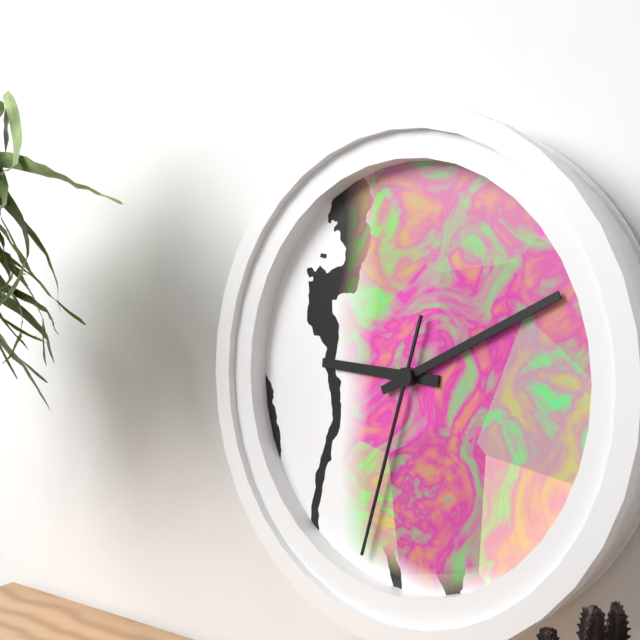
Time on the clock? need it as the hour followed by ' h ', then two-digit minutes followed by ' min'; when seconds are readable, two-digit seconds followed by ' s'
9 h 11 min 33 s
